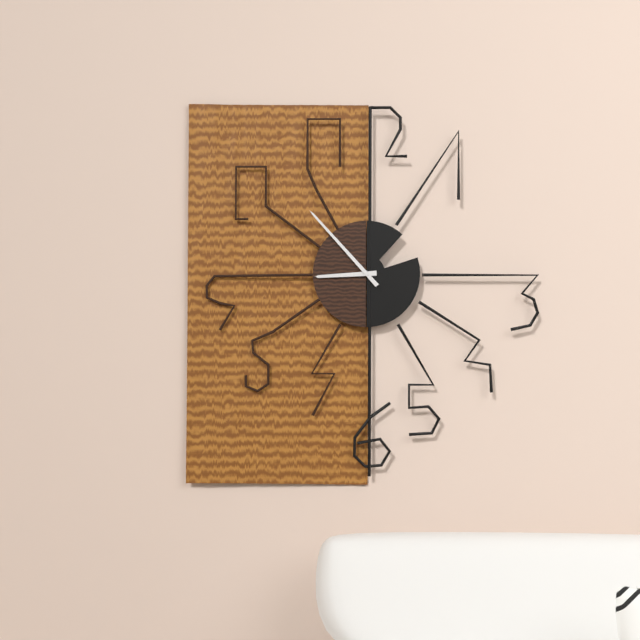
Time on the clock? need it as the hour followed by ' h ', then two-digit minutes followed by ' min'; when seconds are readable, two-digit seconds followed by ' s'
8 h 53 min
